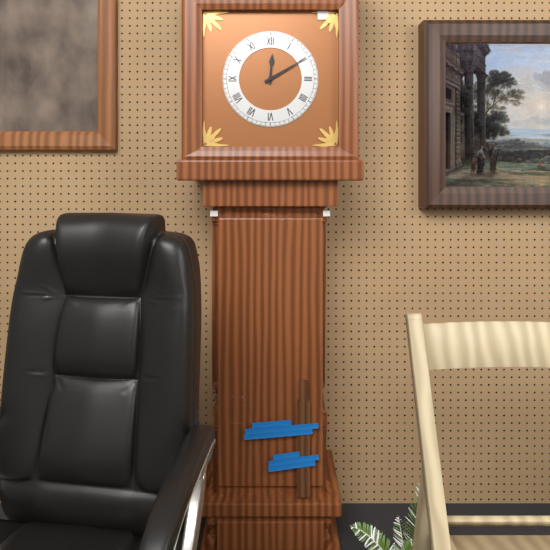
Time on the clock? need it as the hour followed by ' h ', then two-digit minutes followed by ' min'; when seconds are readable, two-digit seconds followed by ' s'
12 h 10 min
